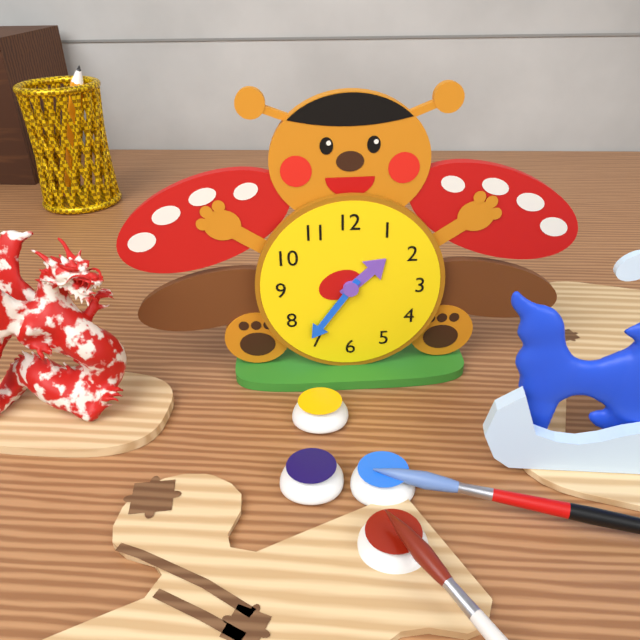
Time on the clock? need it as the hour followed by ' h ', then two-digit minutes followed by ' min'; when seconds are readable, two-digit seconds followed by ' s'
1 h 36 min
